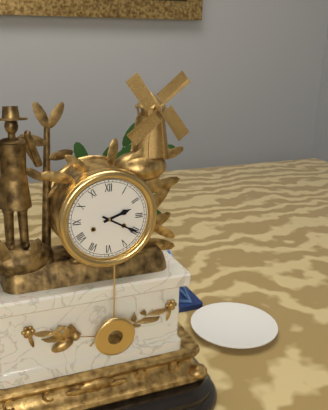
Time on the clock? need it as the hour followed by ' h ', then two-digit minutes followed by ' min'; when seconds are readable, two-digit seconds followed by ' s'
2 h 20 min
